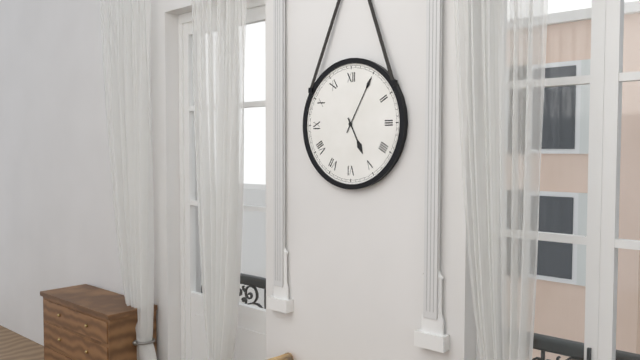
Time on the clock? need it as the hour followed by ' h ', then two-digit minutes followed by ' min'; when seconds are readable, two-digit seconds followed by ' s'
5 h 05 min
